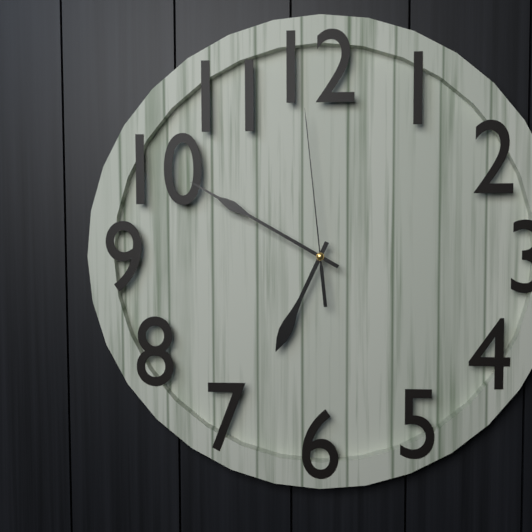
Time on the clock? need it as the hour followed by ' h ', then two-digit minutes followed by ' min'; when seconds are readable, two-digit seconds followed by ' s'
6 h 50 min 59 s
